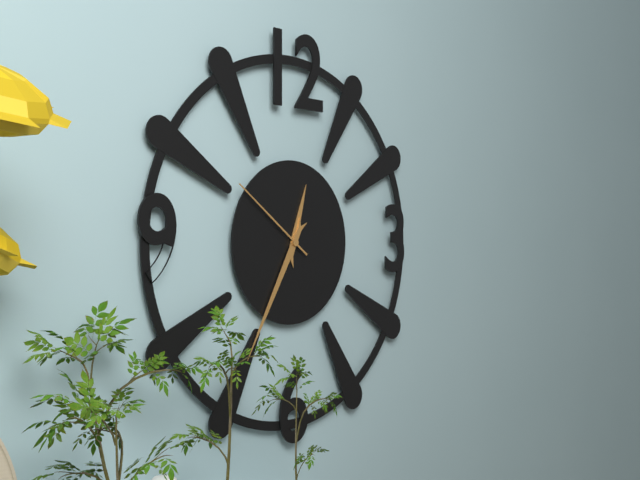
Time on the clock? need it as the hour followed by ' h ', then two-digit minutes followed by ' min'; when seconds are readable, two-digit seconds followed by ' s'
12 h 35 min 51 s
